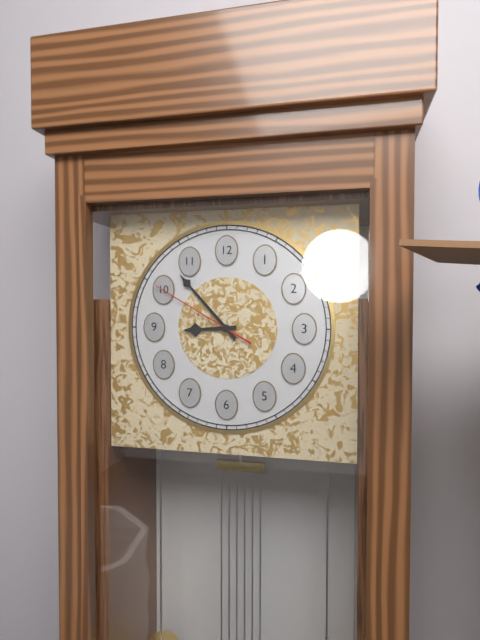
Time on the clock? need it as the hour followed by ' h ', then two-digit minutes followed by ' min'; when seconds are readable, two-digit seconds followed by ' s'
8 h 53 min 50 s
